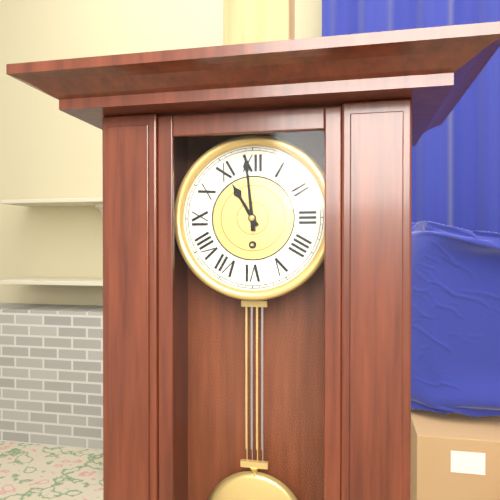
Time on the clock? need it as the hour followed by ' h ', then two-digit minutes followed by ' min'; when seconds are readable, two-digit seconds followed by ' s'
10 h 59 min
